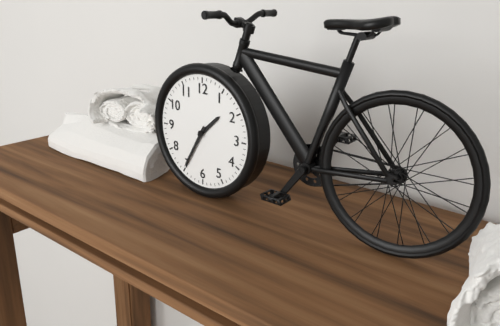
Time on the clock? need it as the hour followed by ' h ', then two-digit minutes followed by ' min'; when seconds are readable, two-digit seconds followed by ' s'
1 h 35 min
